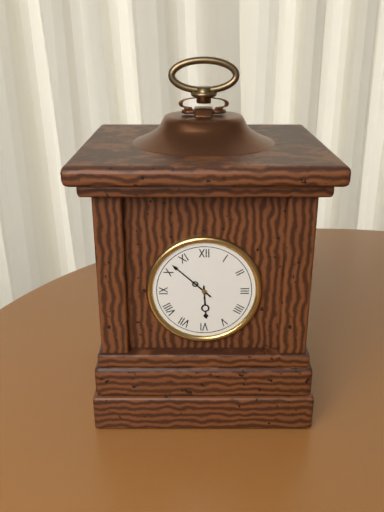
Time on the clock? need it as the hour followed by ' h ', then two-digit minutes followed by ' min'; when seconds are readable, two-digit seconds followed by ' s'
5 h 52 min
